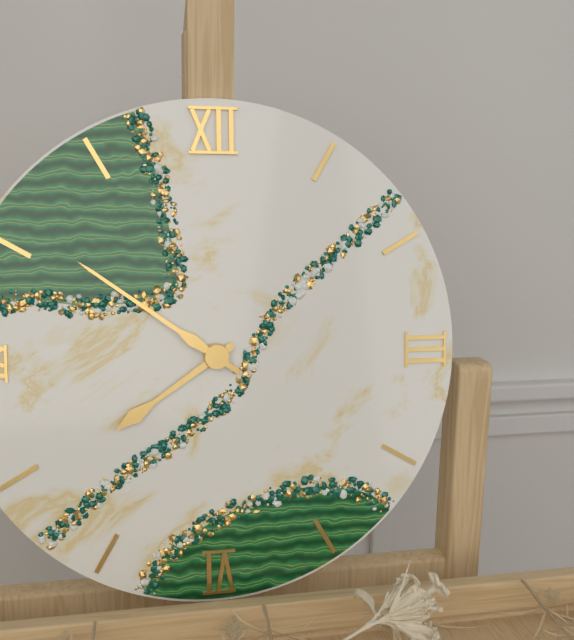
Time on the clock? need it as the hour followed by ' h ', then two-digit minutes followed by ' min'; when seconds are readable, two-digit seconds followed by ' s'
7 h 51 min
